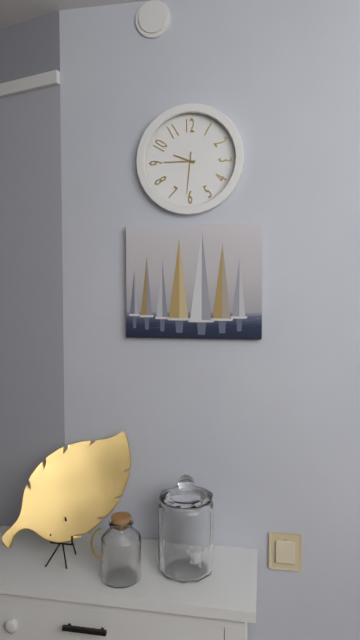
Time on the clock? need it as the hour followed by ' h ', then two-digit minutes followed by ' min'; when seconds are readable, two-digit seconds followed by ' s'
9 h 45 min
